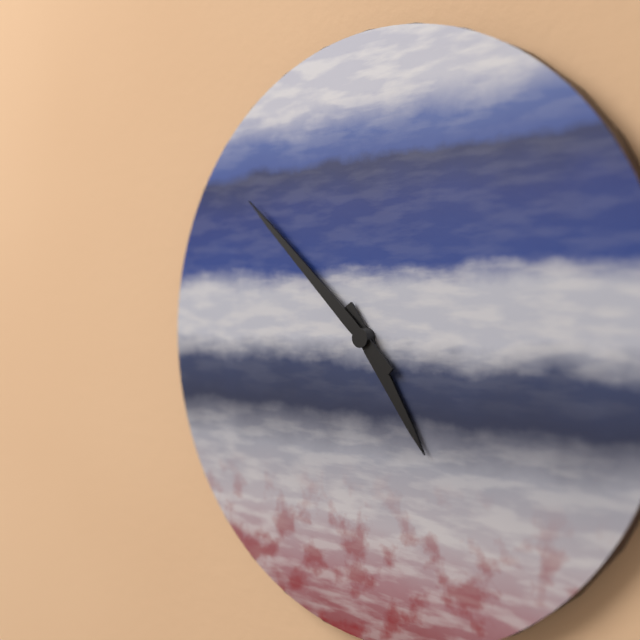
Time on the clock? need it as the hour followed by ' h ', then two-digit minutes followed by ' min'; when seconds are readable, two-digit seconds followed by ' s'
4 h 52 min
